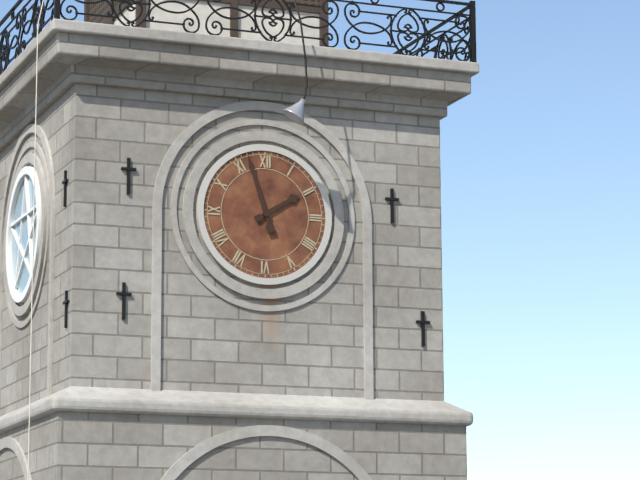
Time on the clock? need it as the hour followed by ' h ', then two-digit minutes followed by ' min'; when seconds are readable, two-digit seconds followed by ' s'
1 h 57 min
